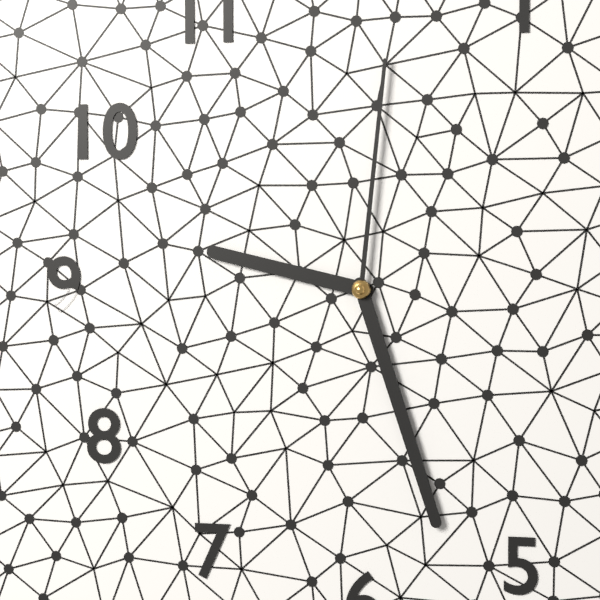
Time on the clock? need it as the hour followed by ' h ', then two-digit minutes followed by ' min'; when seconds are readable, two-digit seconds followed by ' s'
9 h 27 min 01 s
